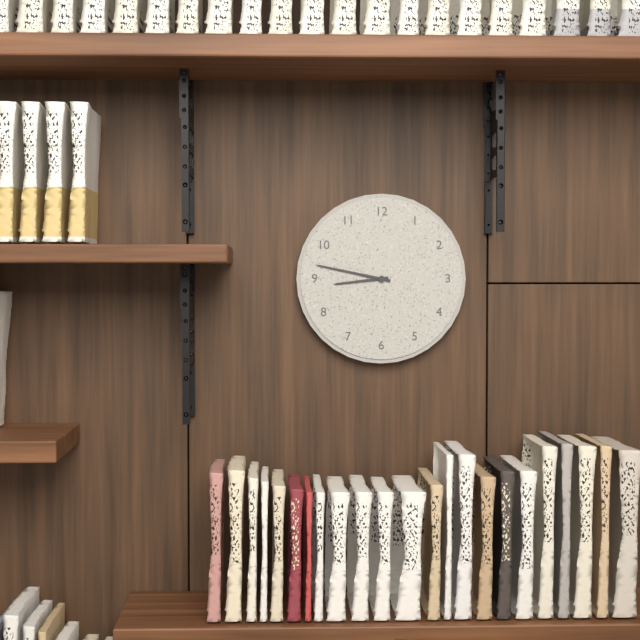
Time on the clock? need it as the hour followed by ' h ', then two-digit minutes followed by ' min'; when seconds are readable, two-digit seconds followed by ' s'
8 h 47 min
